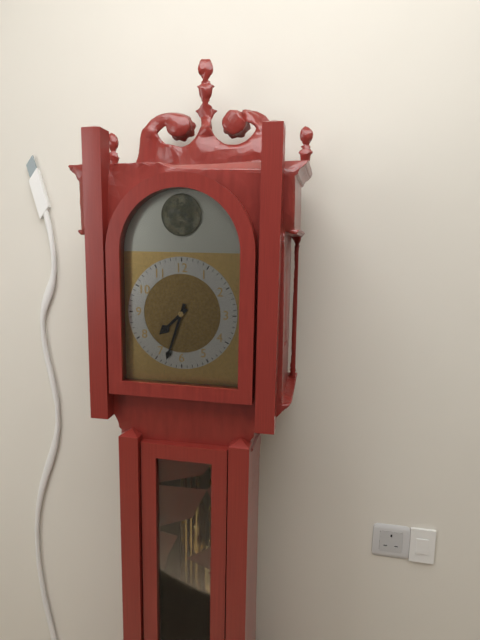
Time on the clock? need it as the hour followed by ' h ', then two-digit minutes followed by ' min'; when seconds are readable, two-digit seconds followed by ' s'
7 h 33 min
